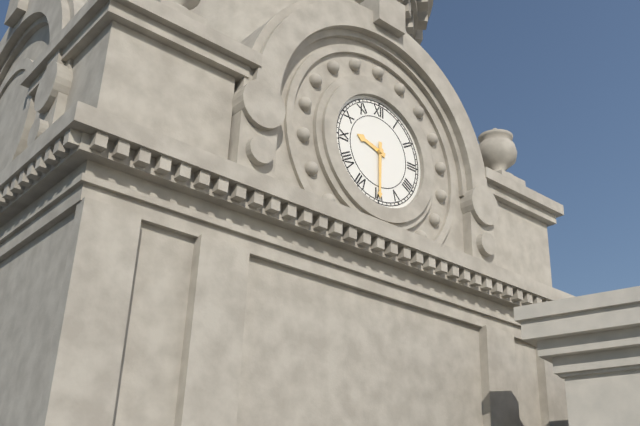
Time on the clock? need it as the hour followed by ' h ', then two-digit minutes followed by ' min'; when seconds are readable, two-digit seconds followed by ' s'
9 h 30 min
